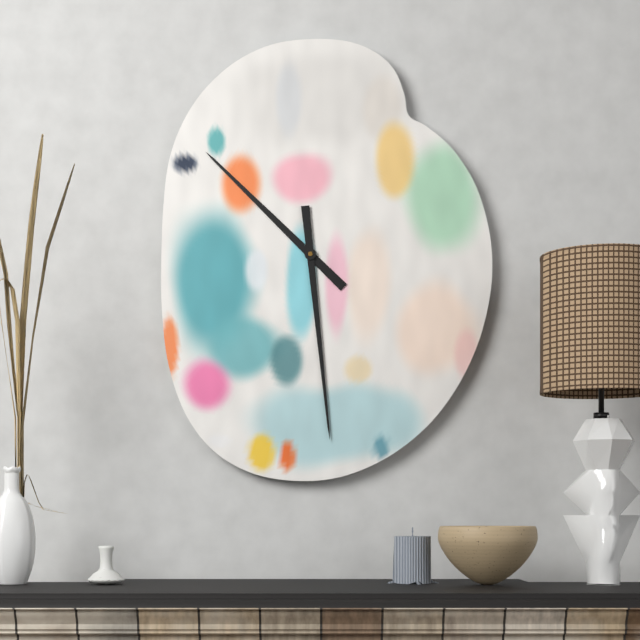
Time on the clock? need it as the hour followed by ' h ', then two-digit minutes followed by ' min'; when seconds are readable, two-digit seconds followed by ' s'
10 h 29 min
